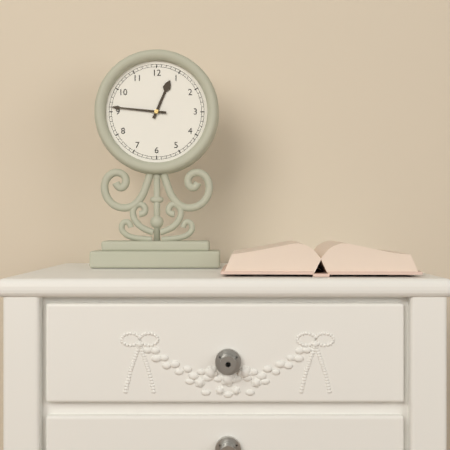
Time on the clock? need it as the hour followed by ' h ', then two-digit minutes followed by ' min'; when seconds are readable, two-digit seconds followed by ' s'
12 h 46 min
